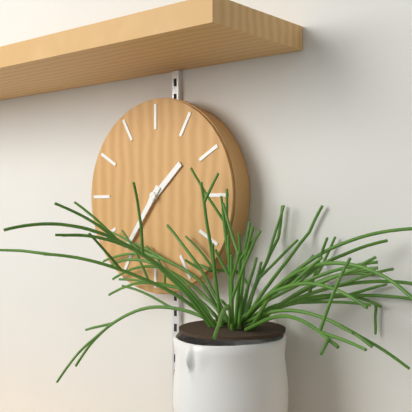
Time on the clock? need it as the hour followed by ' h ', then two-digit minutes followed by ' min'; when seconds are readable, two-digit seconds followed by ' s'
1 h 36 min
